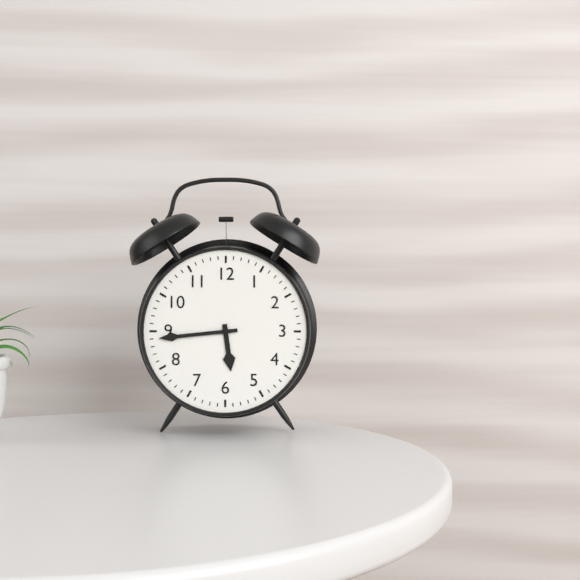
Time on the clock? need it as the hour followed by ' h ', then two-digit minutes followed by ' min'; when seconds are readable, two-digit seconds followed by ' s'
5 h 44 min
